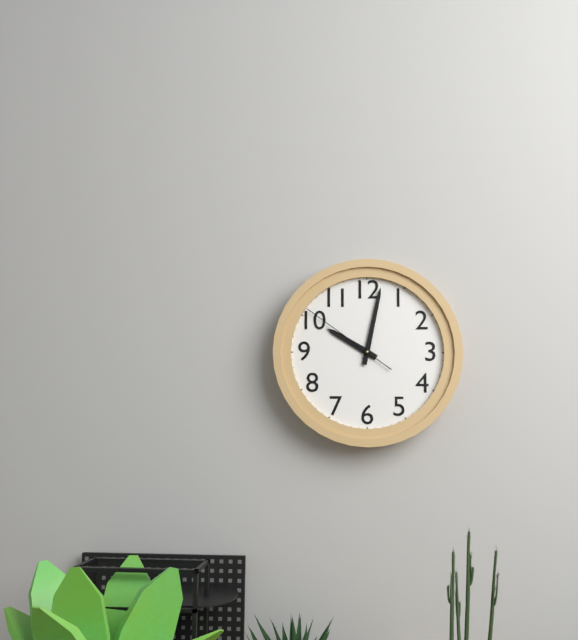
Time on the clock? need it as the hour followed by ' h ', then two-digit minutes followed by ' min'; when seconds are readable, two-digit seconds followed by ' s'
10 h 02 min 51 s
